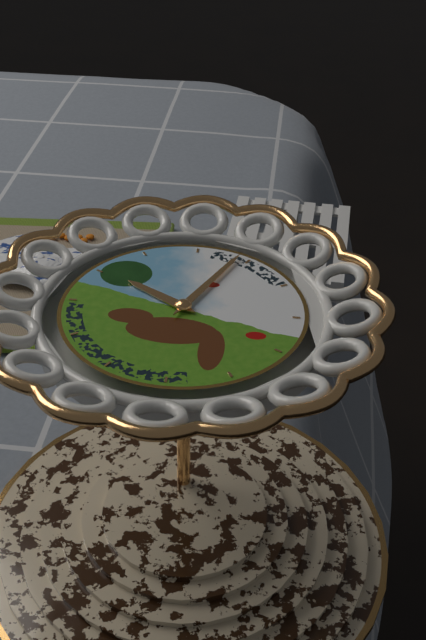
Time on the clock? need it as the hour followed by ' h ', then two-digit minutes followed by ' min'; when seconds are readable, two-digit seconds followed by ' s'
10 h 04 min
